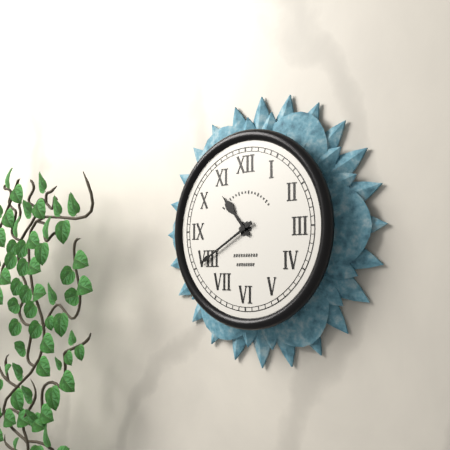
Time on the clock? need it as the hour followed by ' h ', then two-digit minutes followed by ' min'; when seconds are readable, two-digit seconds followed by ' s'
10 h 40 min
